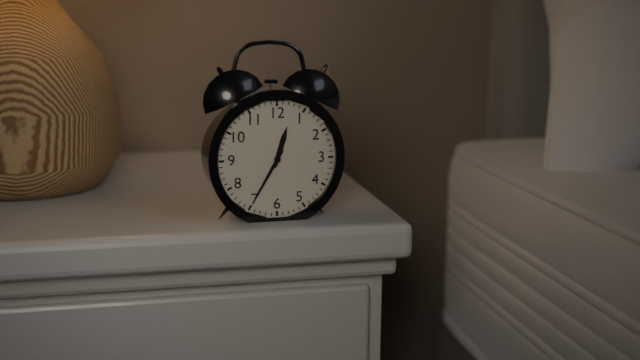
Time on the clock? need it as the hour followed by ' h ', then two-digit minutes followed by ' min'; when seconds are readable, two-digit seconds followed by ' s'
12 h 35 min
